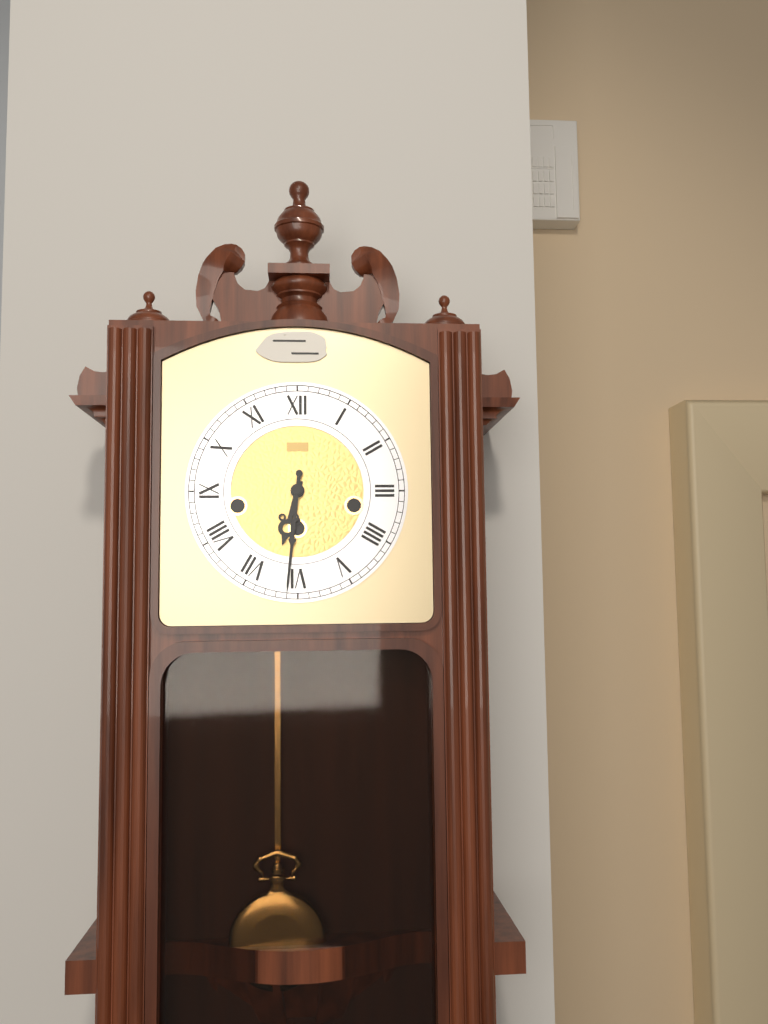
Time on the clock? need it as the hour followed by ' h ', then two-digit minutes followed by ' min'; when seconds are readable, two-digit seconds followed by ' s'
6 h 31 min
